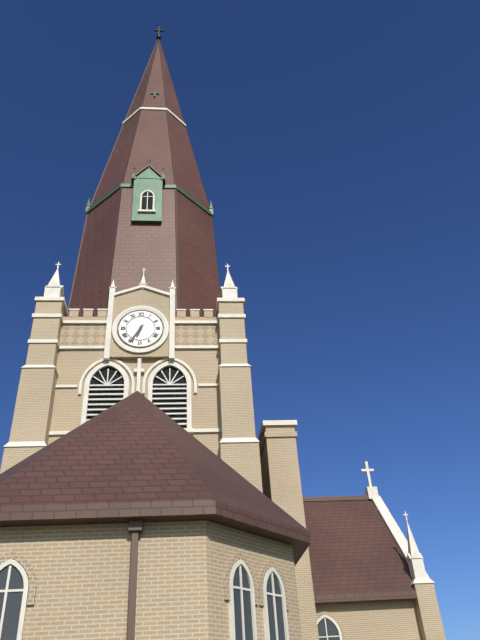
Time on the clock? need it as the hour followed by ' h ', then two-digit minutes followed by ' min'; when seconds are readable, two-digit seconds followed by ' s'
6 h 35 min
